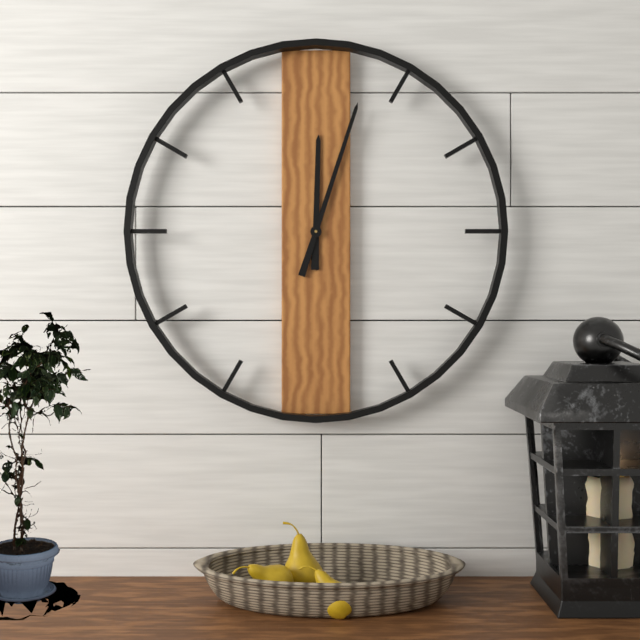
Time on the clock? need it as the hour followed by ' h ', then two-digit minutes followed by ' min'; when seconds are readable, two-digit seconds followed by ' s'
12 h 03 min
